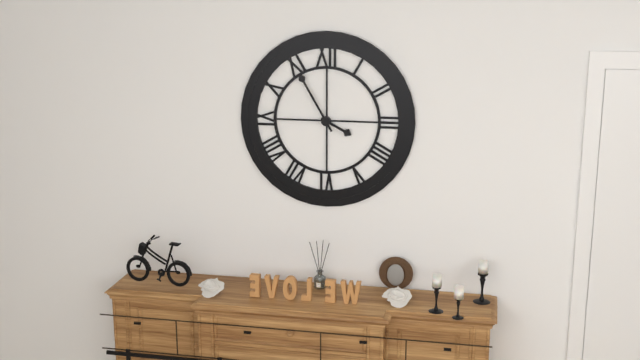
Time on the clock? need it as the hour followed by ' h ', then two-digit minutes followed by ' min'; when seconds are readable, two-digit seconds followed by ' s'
3 h 55 min
